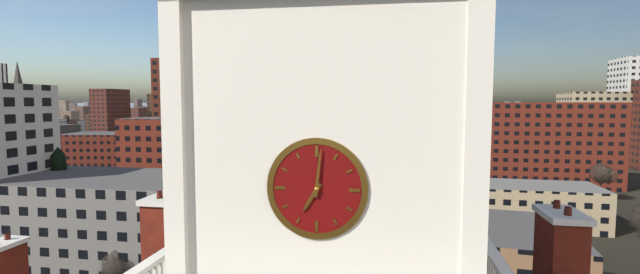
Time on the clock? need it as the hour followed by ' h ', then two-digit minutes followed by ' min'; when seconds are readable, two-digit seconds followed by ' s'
7 h 01 min
